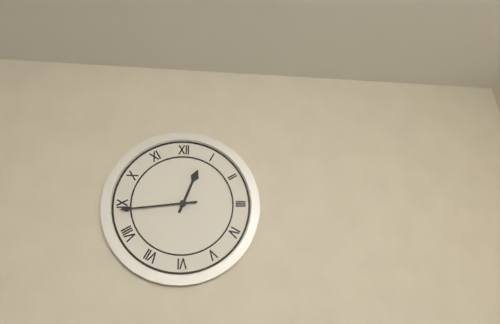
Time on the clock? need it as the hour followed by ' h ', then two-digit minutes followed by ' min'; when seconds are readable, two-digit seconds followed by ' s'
12 h 44 min
